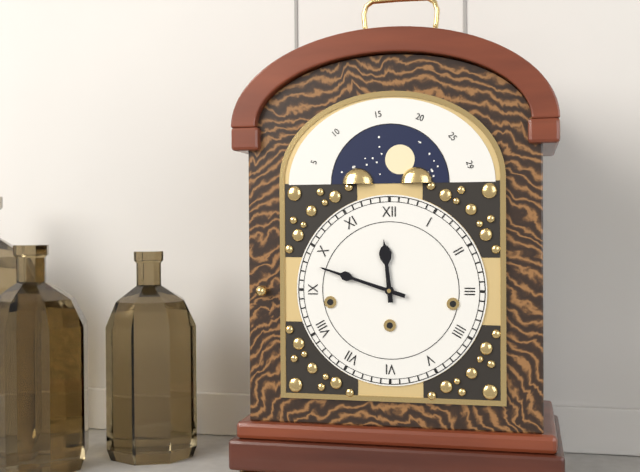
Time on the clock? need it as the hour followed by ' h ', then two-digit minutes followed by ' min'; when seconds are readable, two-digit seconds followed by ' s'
11 h 48 min
